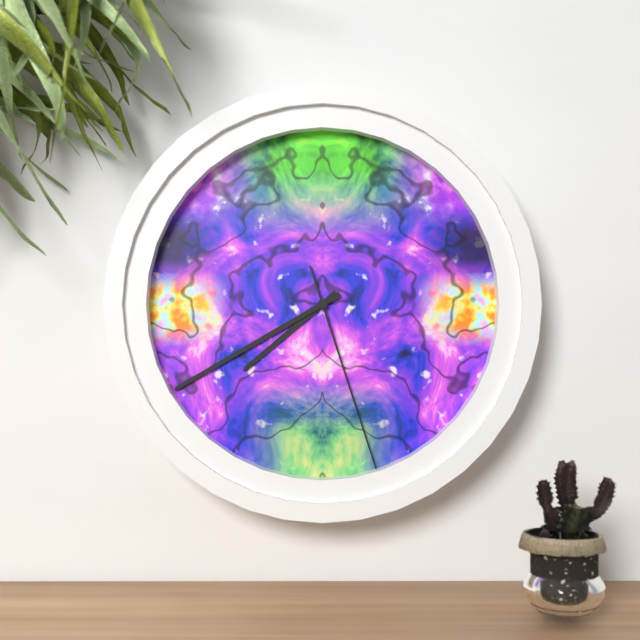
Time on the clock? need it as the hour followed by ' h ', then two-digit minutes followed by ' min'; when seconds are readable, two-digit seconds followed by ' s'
7 h 40 min 27 s
